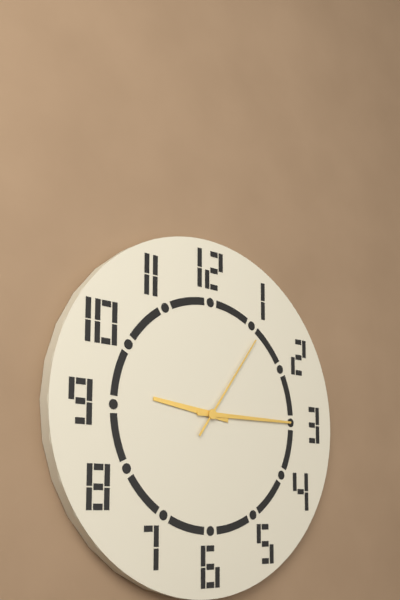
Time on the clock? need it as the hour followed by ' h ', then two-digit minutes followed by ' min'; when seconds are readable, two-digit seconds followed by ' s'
9 h 15 min 06 s
